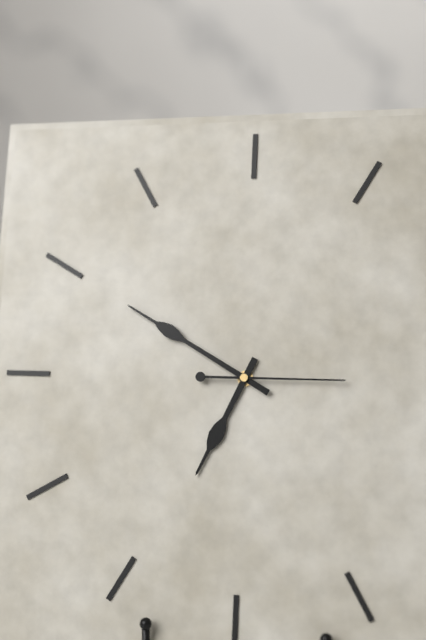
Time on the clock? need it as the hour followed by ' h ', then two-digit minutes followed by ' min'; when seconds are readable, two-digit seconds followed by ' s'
6 h 50 min 15 s
